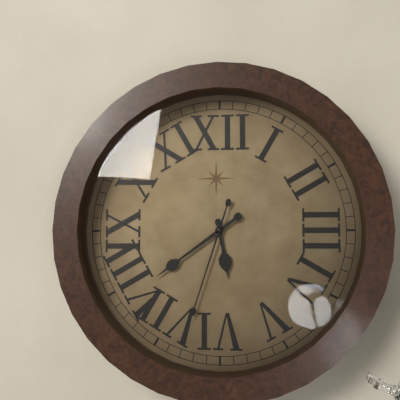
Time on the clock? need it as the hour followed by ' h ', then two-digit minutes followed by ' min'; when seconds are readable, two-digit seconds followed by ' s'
5 h 39 min 33 s
